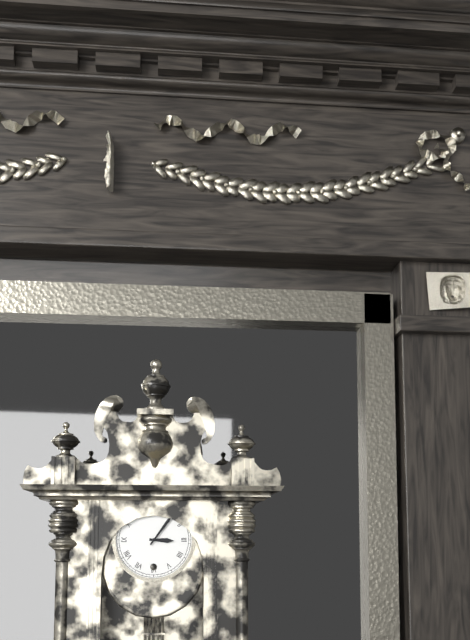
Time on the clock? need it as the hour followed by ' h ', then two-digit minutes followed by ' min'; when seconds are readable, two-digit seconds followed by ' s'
3 h 06 min
